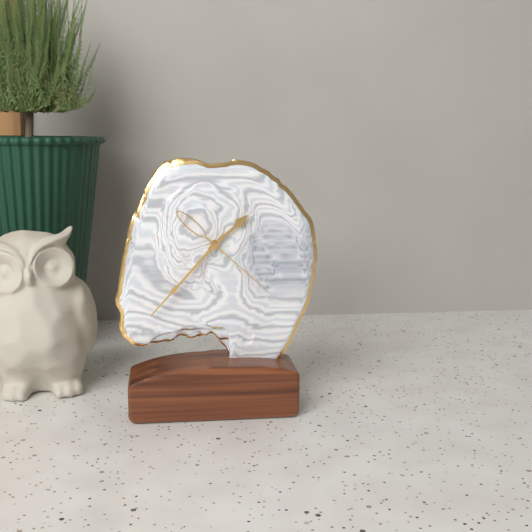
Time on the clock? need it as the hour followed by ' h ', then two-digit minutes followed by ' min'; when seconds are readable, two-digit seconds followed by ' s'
1 h 37 min 22 s
